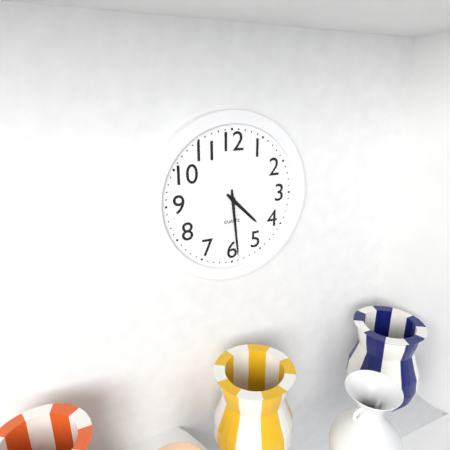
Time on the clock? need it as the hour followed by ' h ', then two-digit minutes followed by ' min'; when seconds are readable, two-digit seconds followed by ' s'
4 h 29 min
